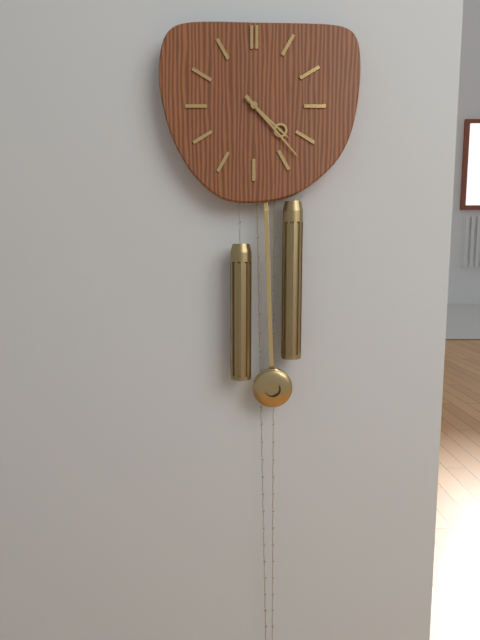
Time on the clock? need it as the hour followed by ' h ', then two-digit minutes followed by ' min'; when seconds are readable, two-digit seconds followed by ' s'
4 h 23 min
